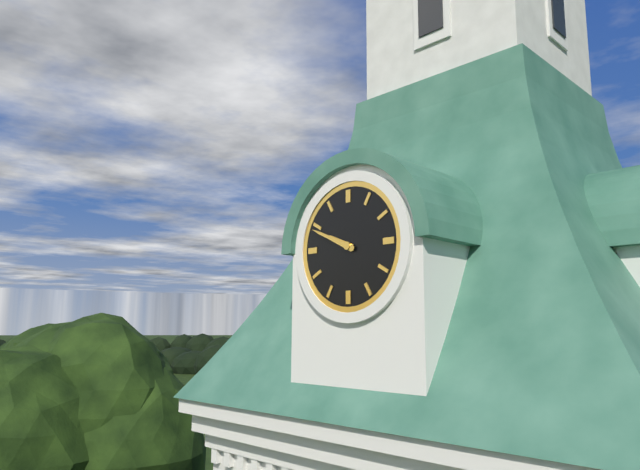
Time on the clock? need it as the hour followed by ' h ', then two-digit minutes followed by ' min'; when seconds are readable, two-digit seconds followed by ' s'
9 h 49 min
